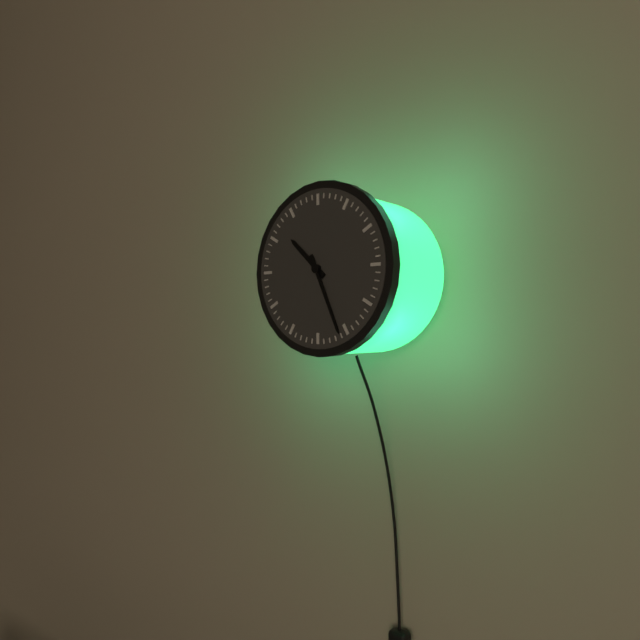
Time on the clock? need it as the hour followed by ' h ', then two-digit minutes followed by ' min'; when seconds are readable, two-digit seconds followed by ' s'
10 h 26 min
